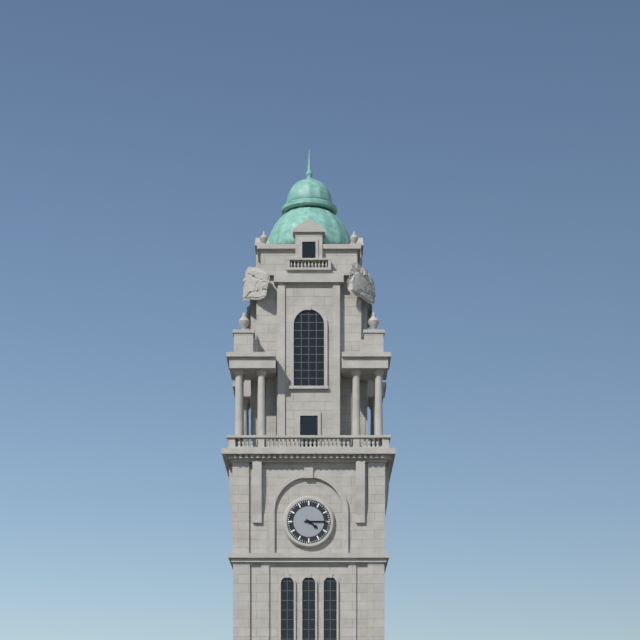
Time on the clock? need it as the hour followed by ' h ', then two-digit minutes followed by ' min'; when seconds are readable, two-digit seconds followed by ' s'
4 h 15 min
